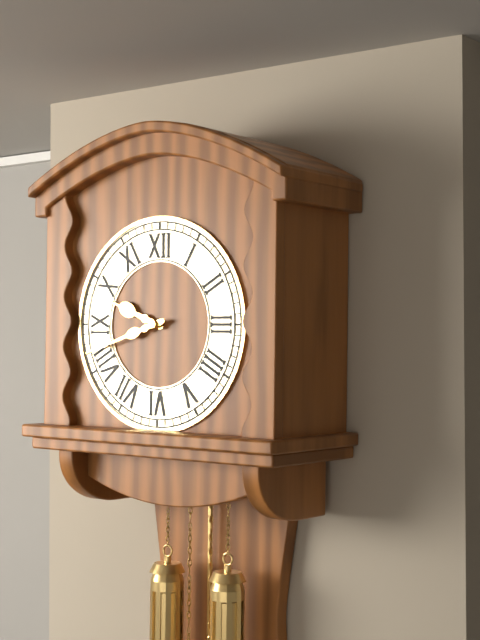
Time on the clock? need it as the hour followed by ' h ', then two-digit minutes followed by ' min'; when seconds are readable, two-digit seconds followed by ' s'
9 h 42 min
